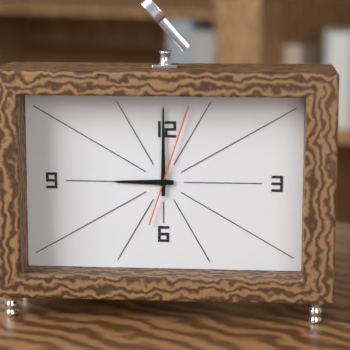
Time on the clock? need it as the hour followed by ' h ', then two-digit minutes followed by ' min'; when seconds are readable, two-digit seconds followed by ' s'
9 h 00 min 03 s
